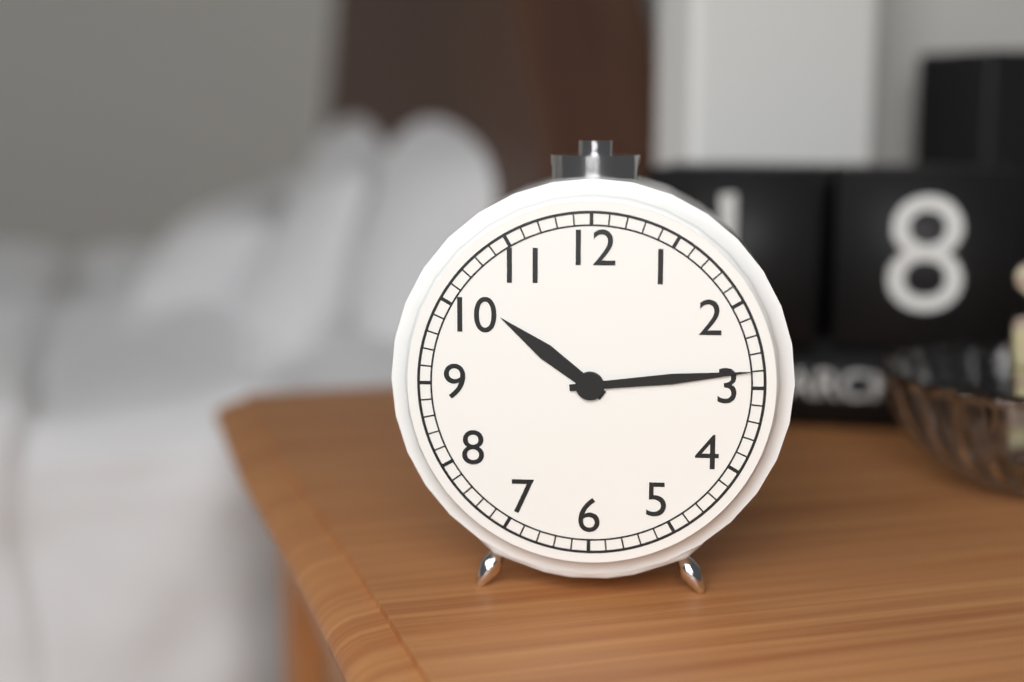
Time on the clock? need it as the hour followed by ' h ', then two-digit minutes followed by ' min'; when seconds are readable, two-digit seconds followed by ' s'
10 h 14 min
